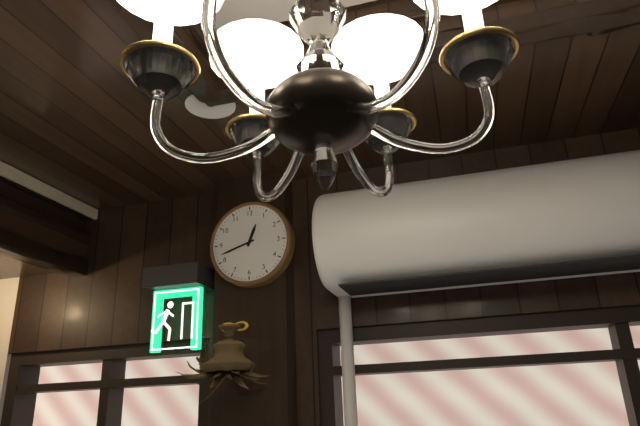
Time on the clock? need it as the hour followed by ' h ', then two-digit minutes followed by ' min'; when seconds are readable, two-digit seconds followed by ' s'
12 h 42 min
